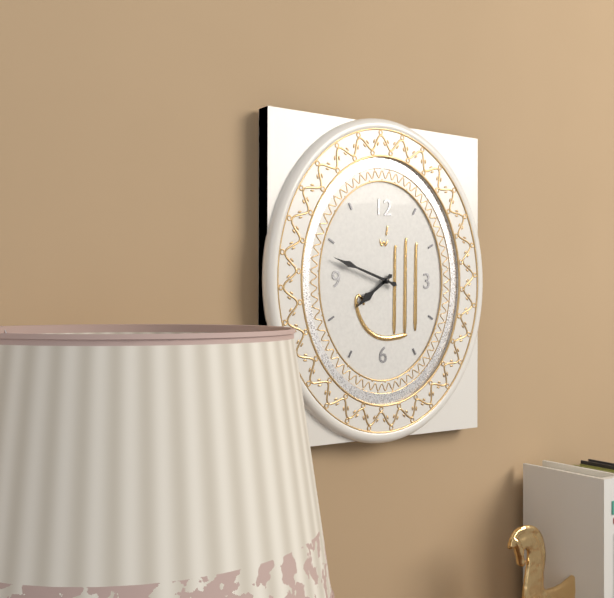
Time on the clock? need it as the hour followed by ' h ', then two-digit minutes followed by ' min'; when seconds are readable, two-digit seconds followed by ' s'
7 h 48 min
